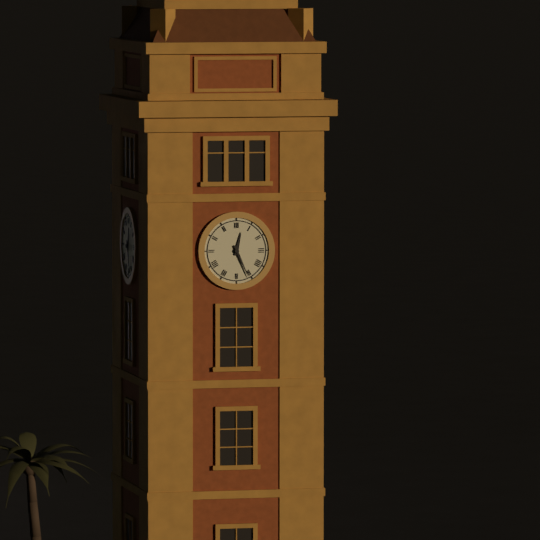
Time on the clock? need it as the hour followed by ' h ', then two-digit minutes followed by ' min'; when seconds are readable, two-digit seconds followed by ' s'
12 h 26 min
